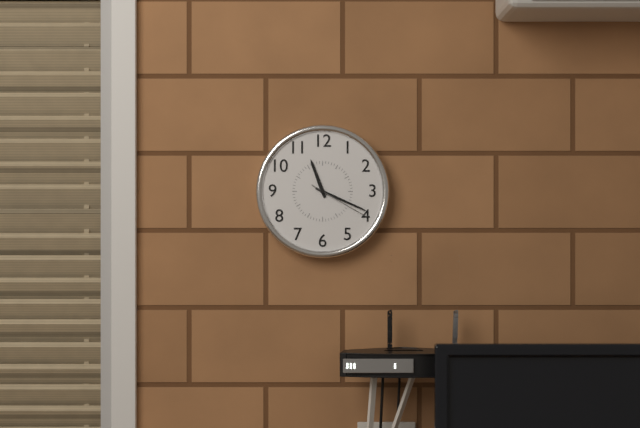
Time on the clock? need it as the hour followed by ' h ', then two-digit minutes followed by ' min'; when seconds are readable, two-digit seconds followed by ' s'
11 h 19 min 20 s
